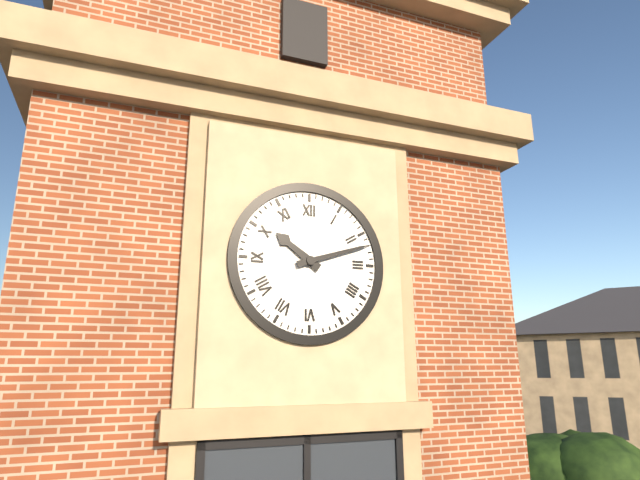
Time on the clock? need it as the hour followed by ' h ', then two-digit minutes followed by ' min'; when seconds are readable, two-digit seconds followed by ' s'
10 h 12 min
